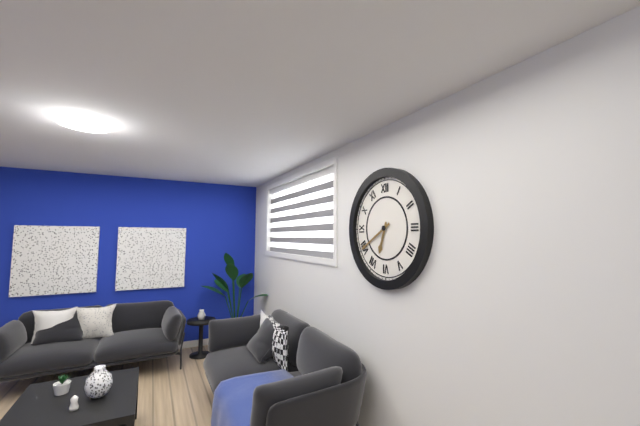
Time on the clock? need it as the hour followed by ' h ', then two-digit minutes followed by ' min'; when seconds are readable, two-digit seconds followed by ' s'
6 h 40 min
